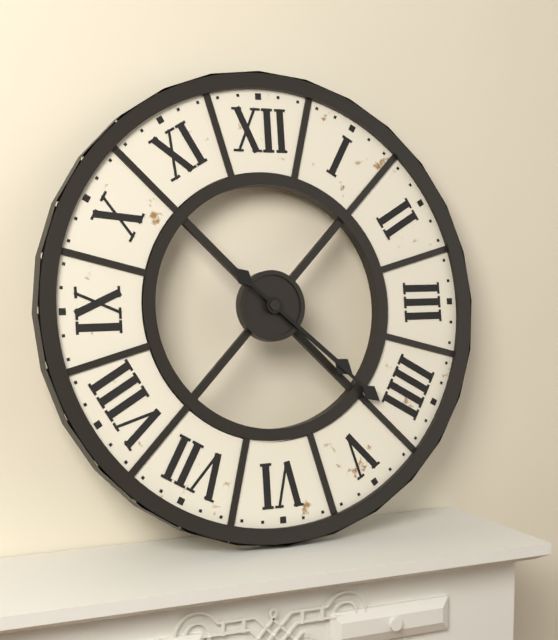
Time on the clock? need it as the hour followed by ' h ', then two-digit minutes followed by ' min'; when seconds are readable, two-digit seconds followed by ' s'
4 h 22 min
